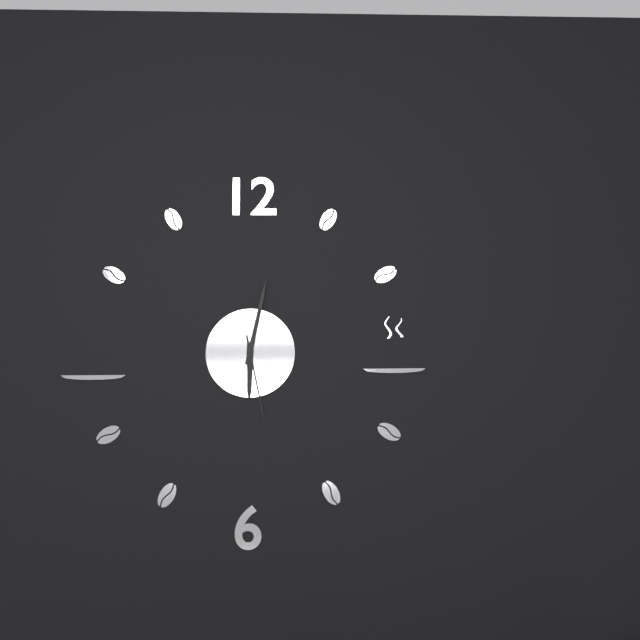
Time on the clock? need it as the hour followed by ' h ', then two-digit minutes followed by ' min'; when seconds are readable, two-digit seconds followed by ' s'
6 h 02 min 28 s
